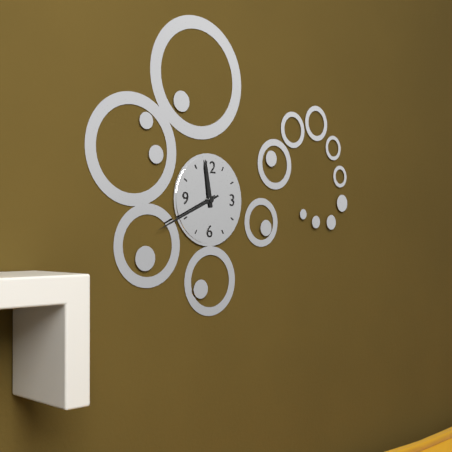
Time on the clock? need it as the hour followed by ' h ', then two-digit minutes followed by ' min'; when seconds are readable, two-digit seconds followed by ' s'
11 h 41 min
